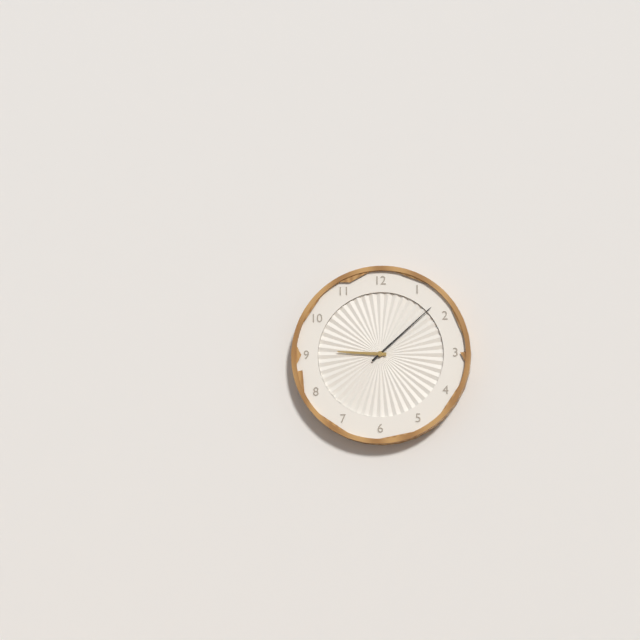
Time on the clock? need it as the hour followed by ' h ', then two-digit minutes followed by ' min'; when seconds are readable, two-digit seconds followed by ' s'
9 h 08 min
